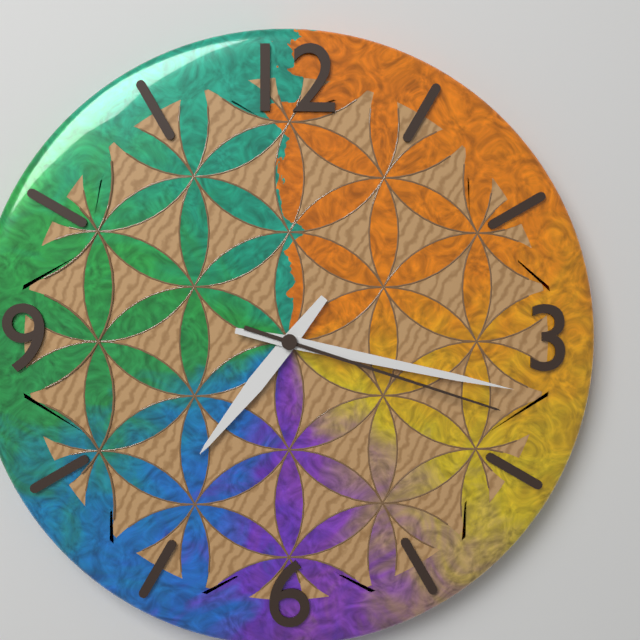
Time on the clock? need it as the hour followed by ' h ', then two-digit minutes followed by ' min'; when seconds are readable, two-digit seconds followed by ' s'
7 h 17 min 18 s
